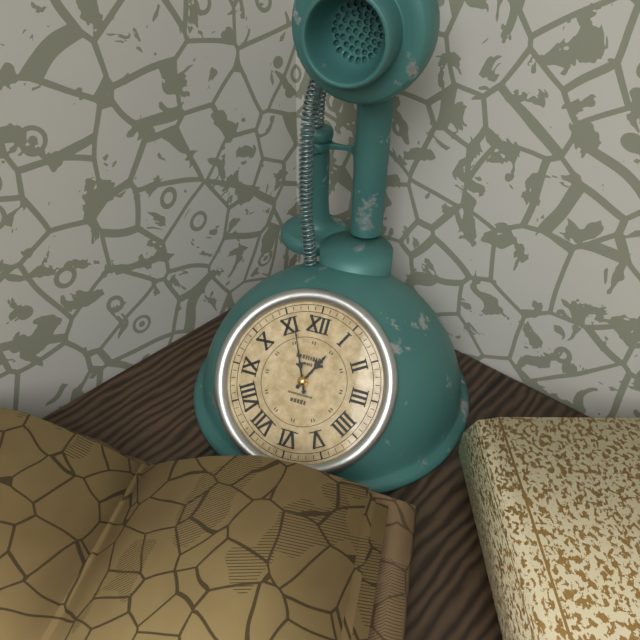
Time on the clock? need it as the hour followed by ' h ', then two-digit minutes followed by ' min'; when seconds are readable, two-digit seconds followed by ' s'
12 h 56 min
